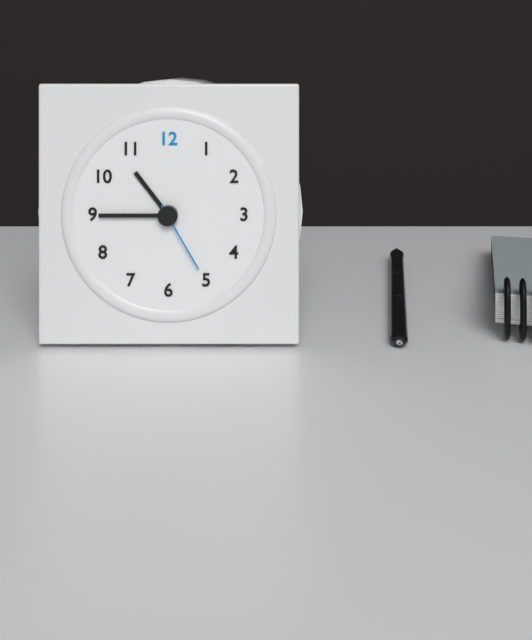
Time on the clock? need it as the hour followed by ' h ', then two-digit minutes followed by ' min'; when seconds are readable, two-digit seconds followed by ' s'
10 h 45 min 25 s
